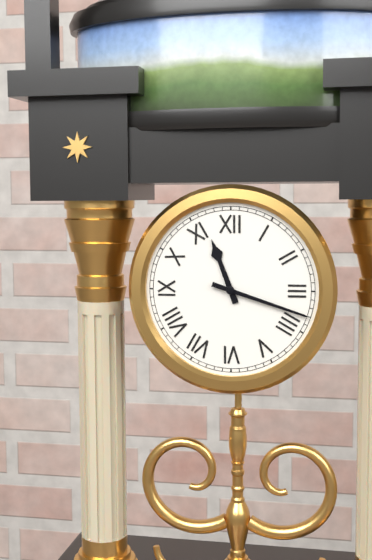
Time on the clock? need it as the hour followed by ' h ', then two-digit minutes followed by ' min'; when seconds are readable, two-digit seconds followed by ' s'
11 h 18 min
